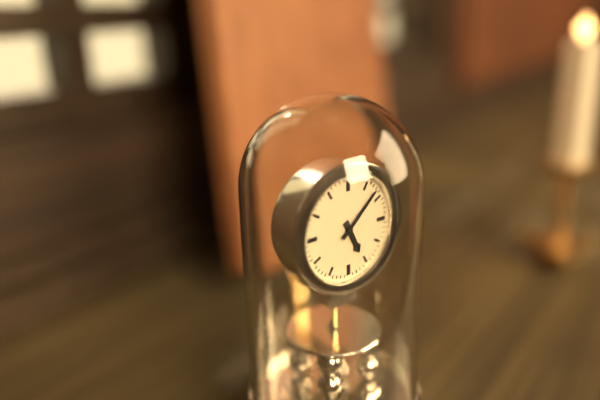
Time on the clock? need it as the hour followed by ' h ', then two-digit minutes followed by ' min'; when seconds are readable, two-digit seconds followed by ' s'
5 h 08 min
